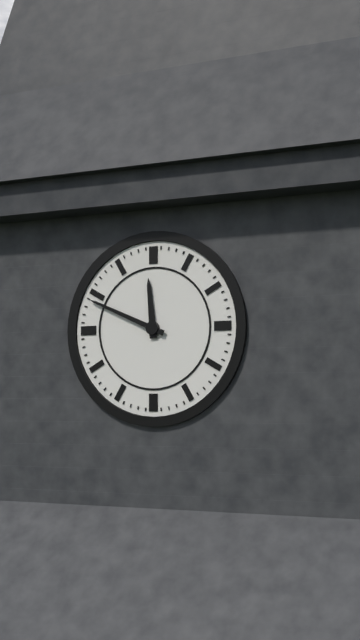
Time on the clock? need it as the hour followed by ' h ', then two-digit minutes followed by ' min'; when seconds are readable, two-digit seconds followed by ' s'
11 h 49 min
